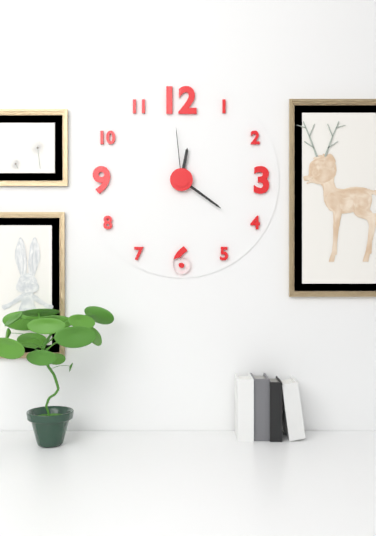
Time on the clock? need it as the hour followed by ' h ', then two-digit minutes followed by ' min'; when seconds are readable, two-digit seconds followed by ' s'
12 h 21 min 59 s
